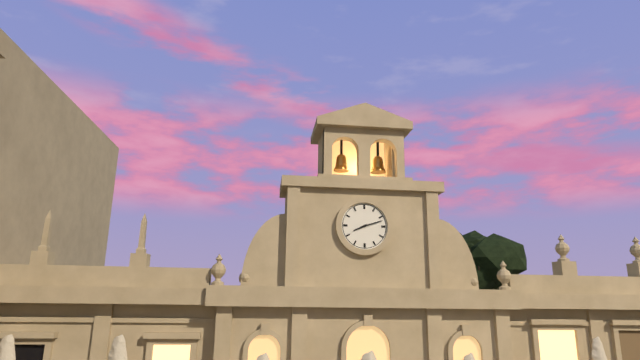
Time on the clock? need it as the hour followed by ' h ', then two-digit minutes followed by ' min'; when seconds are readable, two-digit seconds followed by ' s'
8 h 12 min
